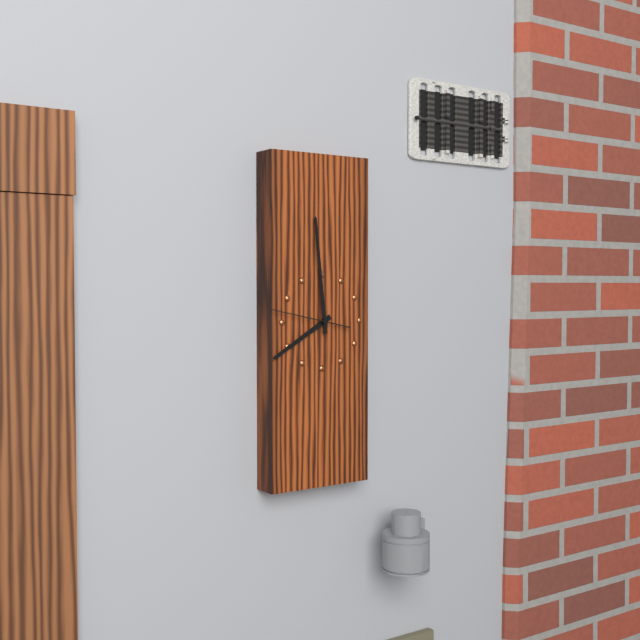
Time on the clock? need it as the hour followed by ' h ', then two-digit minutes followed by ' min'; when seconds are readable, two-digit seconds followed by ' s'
7 h 59 min 47 s
